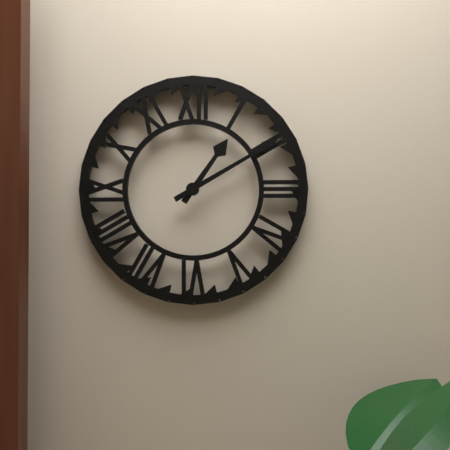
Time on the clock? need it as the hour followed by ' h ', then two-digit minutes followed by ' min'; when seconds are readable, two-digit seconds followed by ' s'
1 h 10 min
